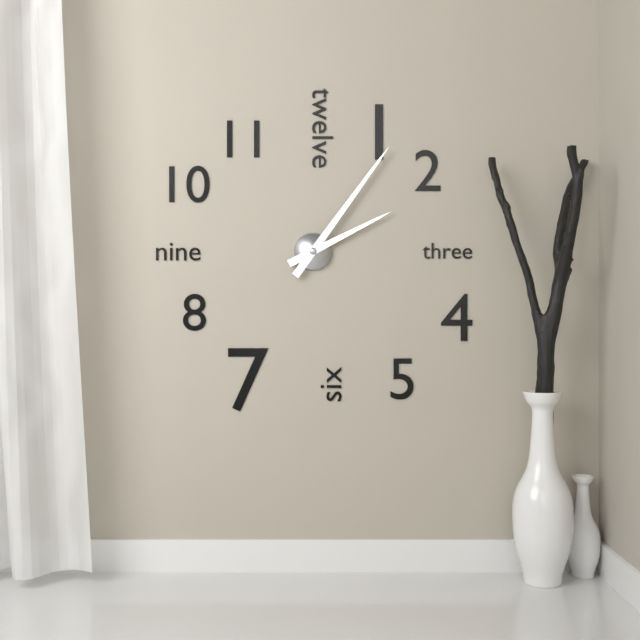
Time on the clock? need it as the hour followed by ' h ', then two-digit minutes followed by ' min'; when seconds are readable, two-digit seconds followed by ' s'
2 h 06 min
